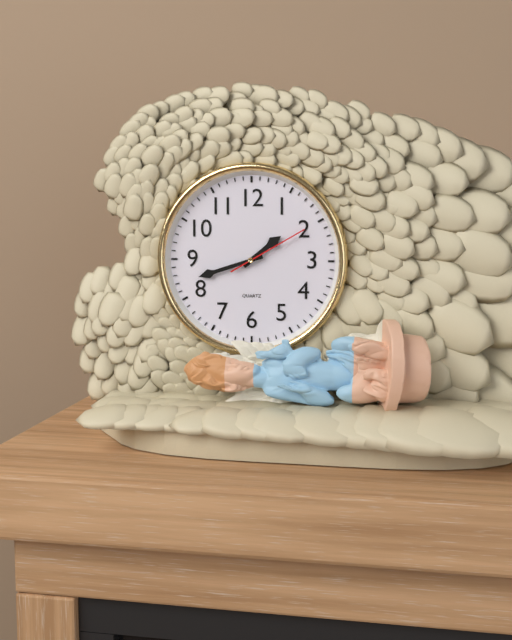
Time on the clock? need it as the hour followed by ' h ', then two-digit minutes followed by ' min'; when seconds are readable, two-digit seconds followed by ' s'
1 h 42 min 10 s
